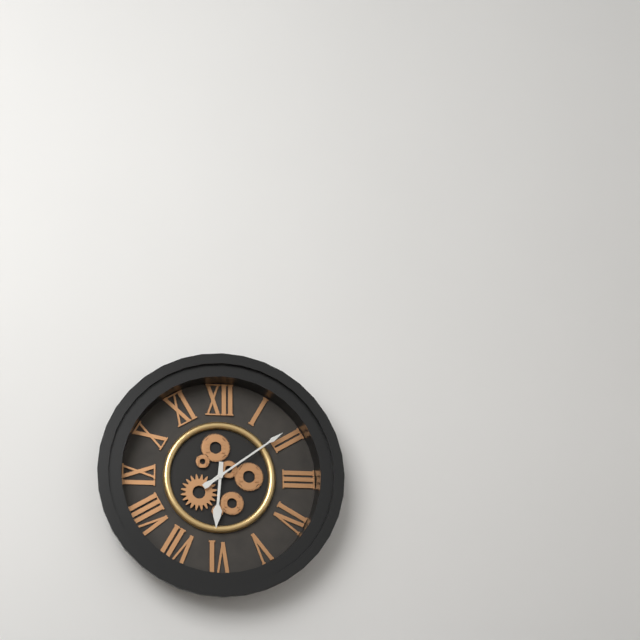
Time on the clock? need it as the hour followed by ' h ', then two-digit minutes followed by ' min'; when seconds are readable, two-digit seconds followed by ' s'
6 h 09 min
